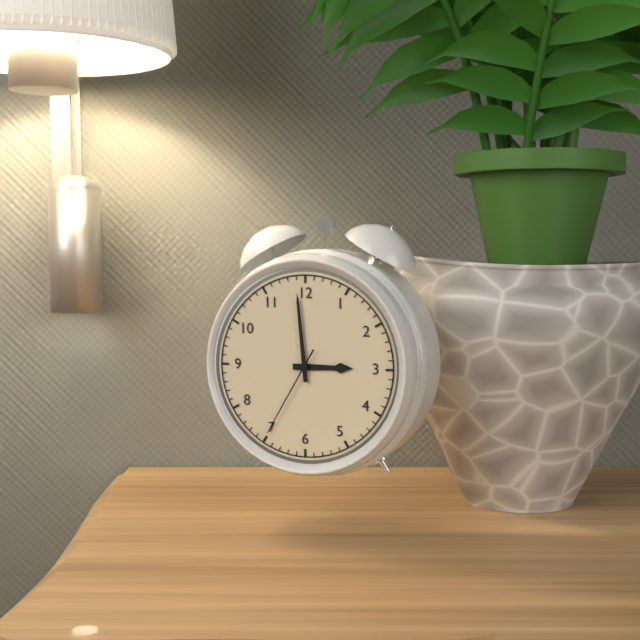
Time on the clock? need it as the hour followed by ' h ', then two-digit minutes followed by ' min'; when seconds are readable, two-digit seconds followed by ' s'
2 h 59 min 35 s
